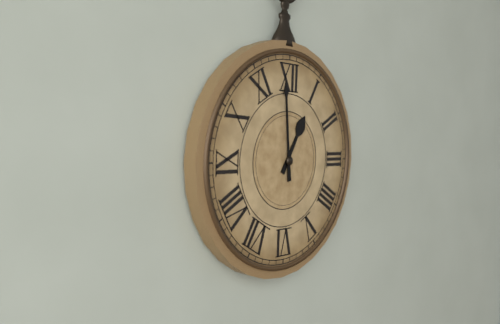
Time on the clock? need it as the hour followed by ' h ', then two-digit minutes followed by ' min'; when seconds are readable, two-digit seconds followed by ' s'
12 h 59 min
